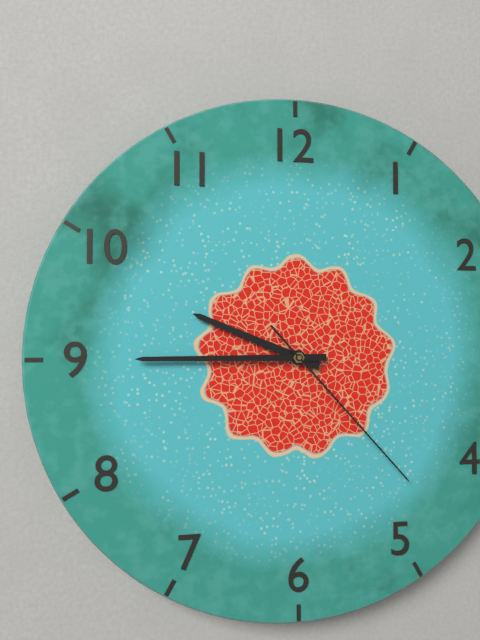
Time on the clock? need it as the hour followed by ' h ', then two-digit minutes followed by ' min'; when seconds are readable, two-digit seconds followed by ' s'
9 h 45 min 23 s
